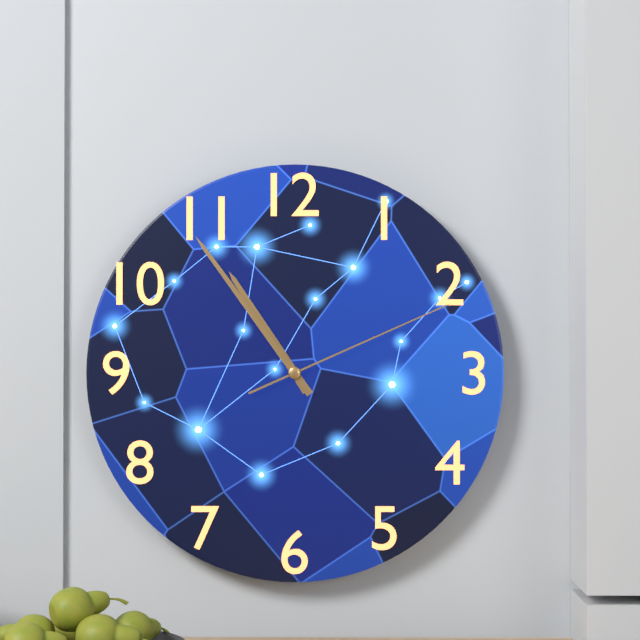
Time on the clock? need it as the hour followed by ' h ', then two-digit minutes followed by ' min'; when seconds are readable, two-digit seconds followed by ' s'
10 h 54 min 11 s
